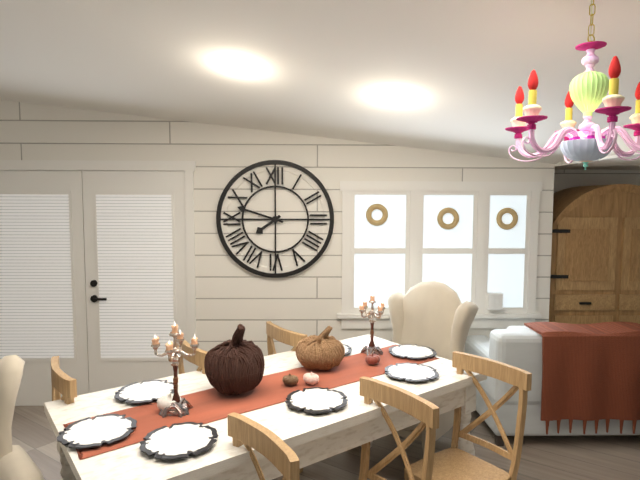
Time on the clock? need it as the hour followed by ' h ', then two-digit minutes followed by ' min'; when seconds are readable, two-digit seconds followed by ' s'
7 h 48 min
